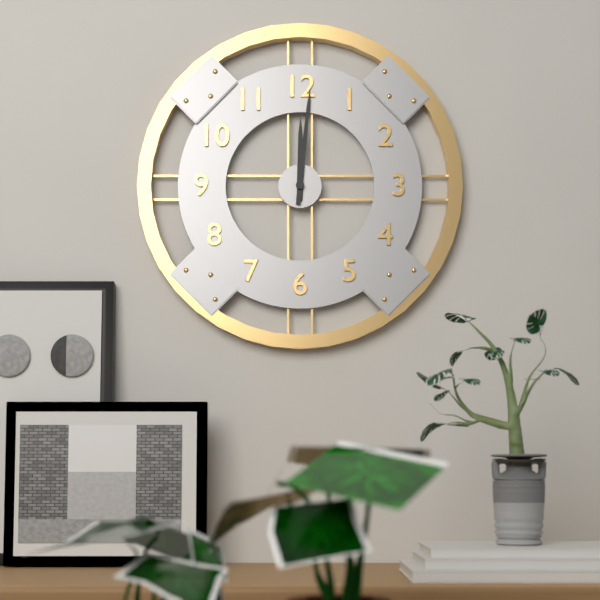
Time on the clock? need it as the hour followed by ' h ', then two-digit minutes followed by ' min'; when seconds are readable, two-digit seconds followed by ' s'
12 h 01 min
